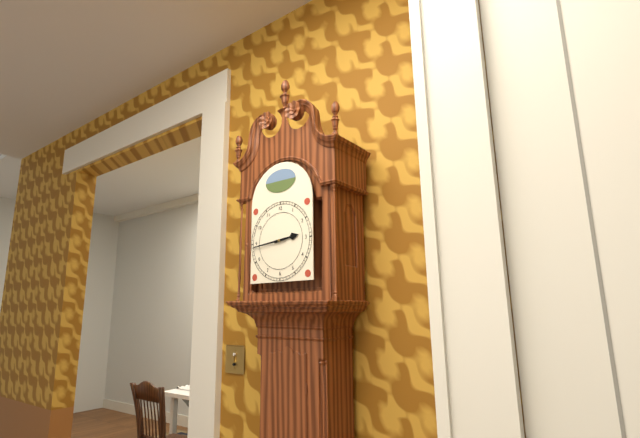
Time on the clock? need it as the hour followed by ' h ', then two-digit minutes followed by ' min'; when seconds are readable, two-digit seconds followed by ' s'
2 h 44 min
